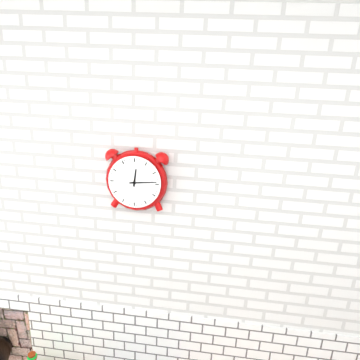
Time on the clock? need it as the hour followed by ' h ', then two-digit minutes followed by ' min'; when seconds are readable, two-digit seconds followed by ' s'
12 h 14 min
